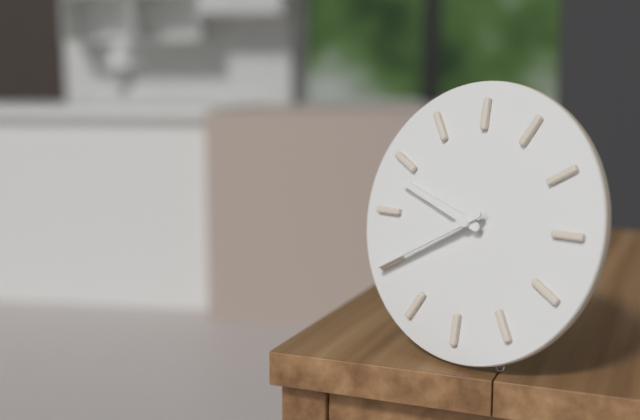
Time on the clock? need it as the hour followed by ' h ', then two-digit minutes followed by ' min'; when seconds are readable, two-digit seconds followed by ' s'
9 h 40 min
